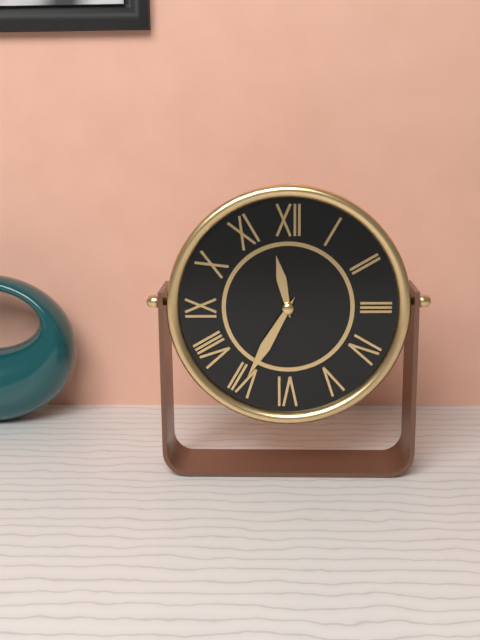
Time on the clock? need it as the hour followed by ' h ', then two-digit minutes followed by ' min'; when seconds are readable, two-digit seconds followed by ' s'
11 h 35 min
